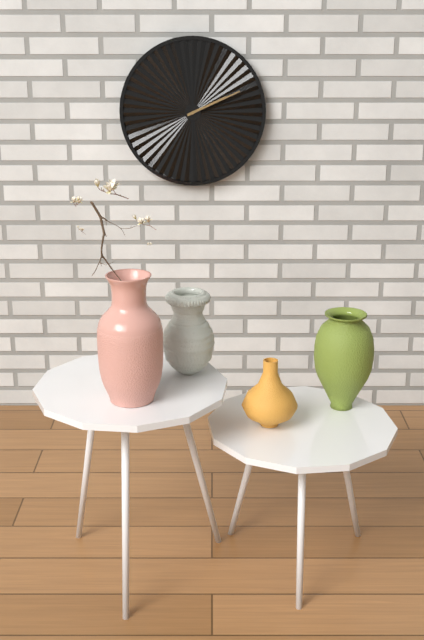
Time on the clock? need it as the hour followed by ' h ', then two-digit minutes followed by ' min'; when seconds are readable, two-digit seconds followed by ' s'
2 h 11 min
